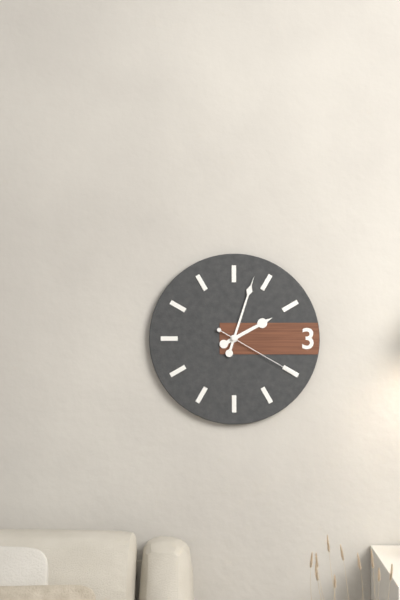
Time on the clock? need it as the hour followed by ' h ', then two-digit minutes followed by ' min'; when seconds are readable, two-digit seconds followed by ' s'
2 h 03 min 20 s
